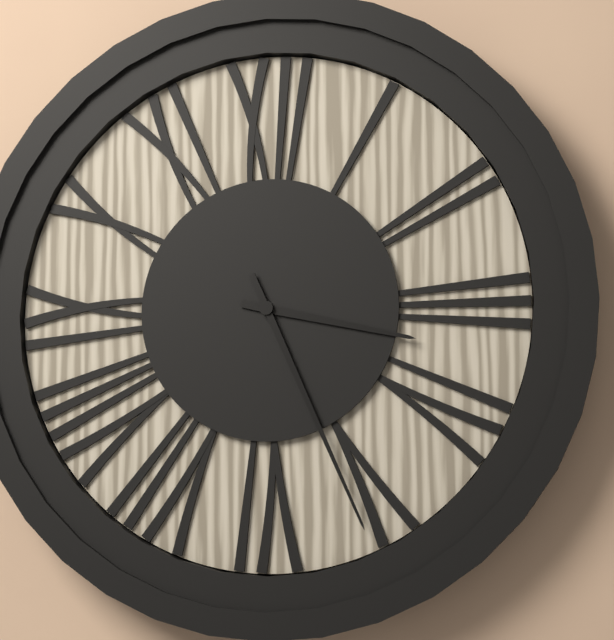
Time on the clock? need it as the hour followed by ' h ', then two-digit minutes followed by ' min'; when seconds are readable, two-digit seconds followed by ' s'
3 h 26 min
